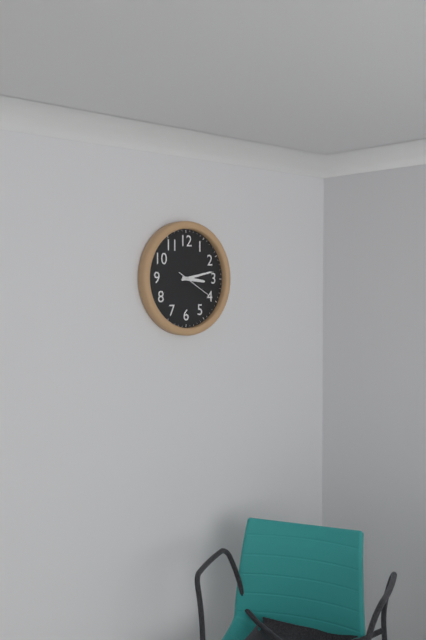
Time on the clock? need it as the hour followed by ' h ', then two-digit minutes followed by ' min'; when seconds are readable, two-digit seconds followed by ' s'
3 h 13 min
